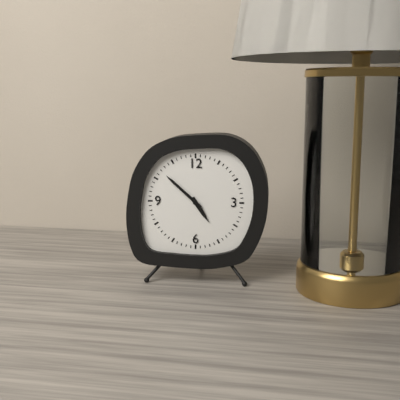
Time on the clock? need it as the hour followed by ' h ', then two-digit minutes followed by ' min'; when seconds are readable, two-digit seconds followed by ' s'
4 h 52 min
